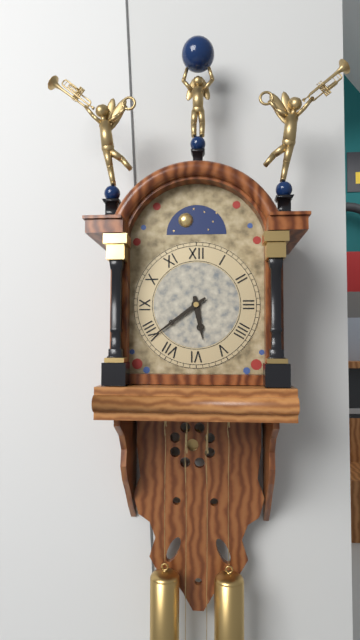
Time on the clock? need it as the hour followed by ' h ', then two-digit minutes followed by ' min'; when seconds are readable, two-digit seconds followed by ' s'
5 h 39 min
